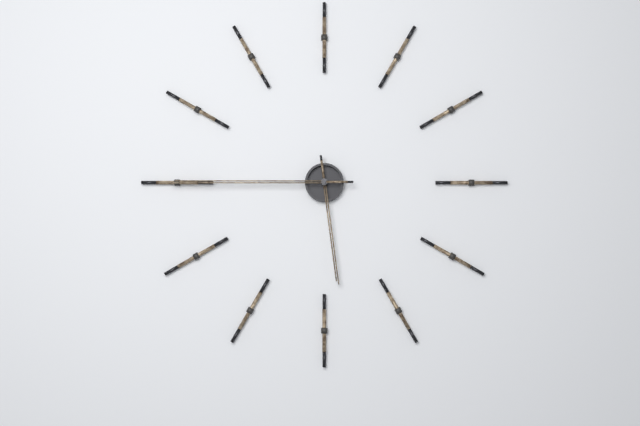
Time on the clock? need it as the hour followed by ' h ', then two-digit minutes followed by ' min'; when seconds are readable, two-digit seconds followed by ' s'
5 h 45 min
